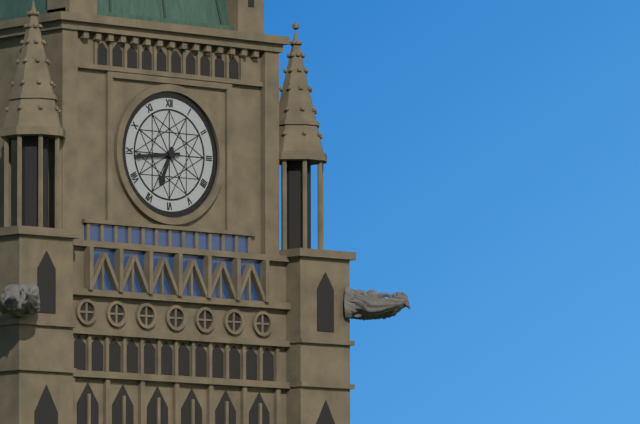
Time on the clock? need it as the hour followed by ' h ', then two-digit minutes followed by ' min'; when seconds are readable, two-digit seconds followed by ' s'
6 h 44 min
